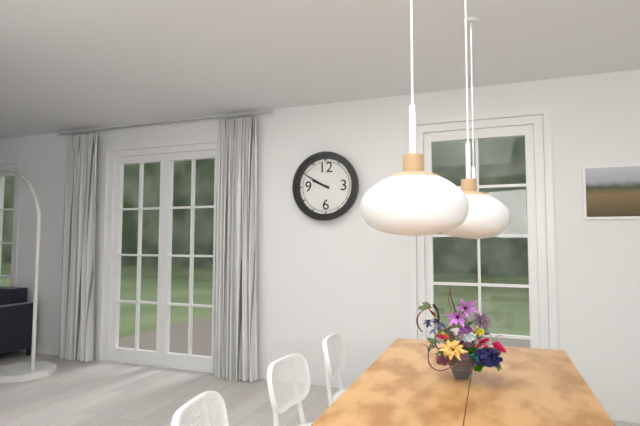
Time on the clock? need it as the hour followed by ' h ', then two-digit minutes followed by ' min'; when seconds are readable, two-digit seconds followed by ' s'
9 h 50 min
